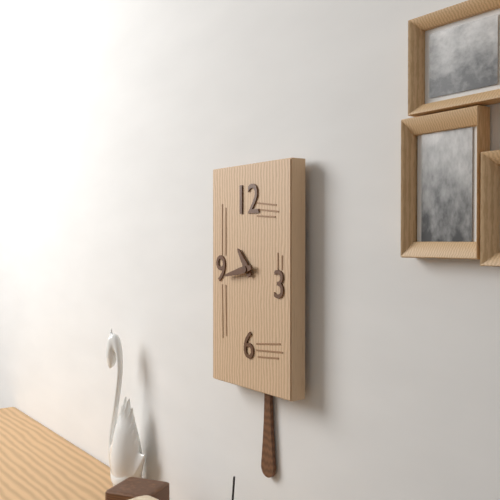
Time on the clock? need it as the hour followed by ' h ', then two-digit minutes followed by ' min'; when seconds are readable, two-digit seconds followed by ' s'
10 h 43 min
